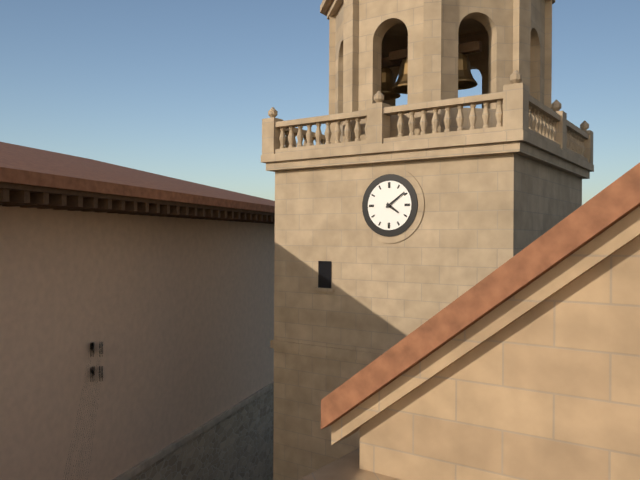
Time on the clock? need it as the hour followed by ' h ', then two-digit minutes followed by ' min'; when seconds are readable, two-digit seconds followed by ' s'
4 h 09 min
